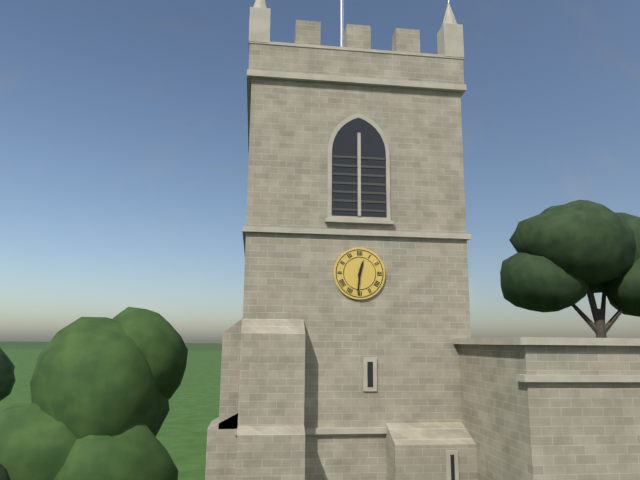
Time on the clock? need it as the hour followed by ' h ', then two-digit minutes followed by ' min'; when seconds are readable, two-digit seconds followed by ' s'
12 h 31 min
